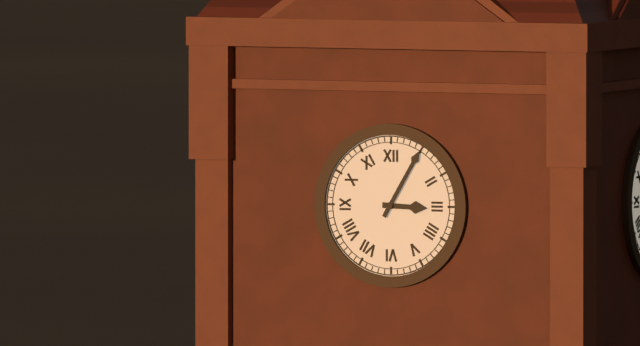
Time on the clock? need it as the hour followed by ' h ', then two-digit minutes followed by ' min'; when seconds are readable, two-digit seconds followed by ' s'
3 h 05 min
